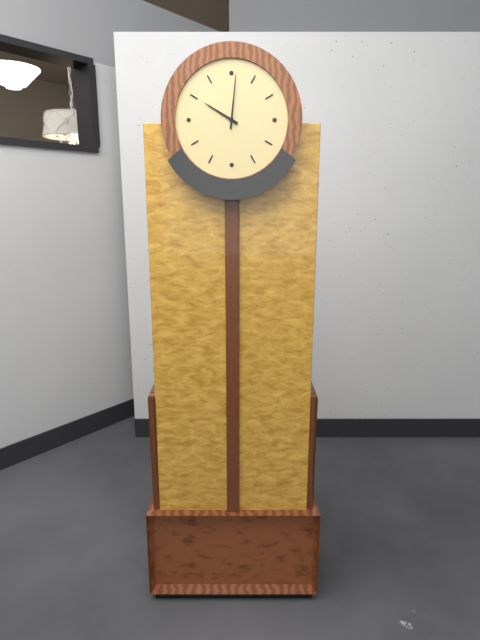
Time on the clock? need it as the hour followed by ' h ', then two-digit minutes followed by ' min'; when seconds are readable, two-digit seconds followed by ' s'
10 h 01 min
